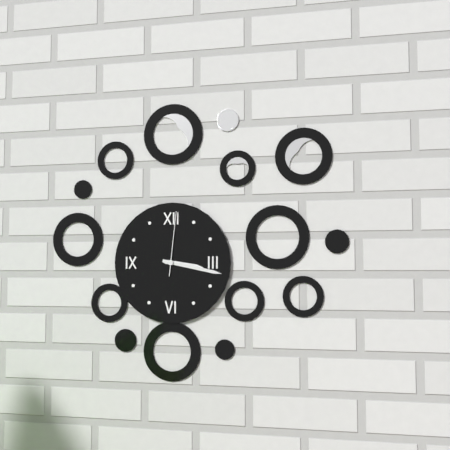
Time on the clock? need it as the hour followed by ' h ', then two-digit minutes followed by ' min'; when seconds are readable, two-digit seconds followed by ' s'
3 h 17 min 01 s
